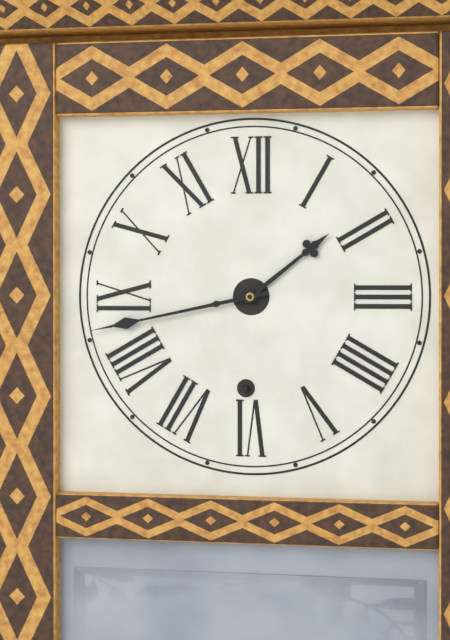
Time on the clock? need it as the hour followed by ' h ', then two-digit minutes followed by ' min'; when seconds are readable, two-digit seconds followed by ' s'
1 h 43 min
